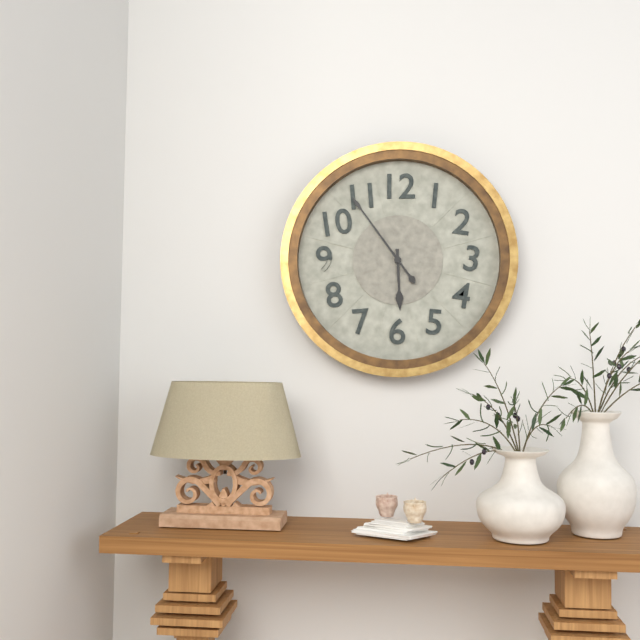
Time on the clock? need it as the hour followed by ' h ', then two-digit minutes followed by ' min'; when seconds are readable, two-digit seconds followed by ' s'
5 h 54 min
